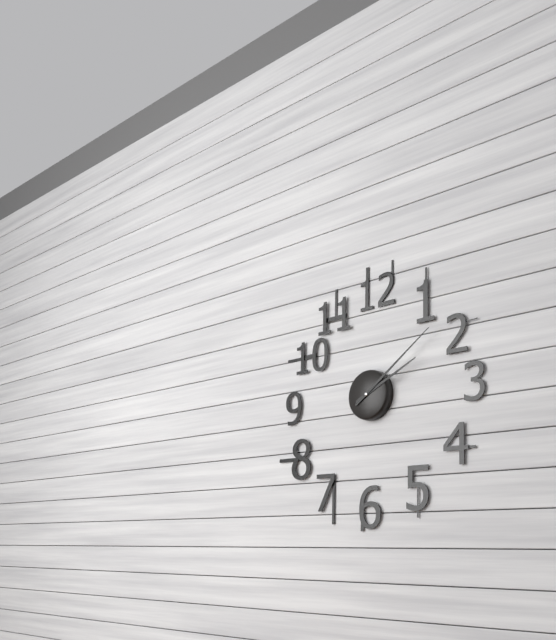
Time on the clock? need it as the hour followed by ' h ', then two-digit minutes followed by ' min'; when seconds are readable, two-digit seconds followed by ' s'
2 h 09 min
